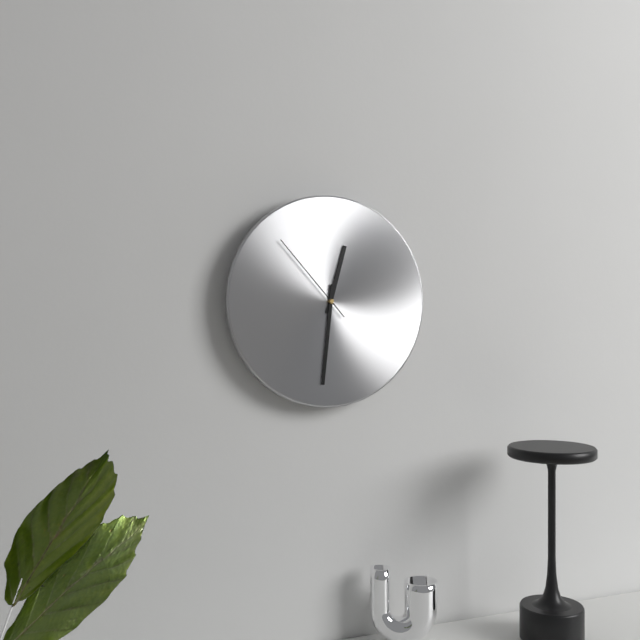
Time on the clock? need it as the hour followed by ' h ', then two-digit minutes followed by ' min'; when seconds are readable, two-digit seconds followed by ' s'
12 h 31 min 53 s
